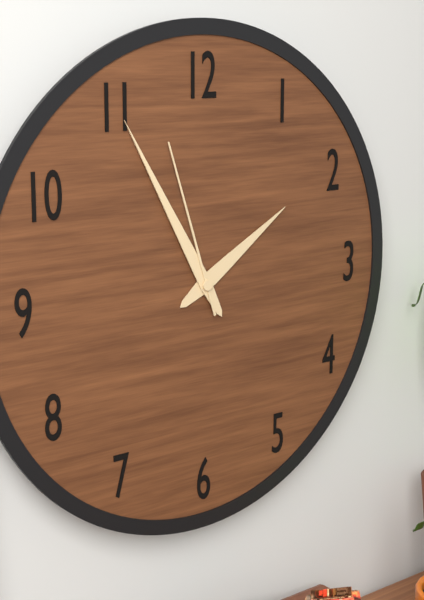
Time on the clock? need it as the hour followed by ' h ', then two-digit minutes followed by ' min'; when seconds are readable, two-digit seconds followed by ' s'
1 h 55 min 57 s
